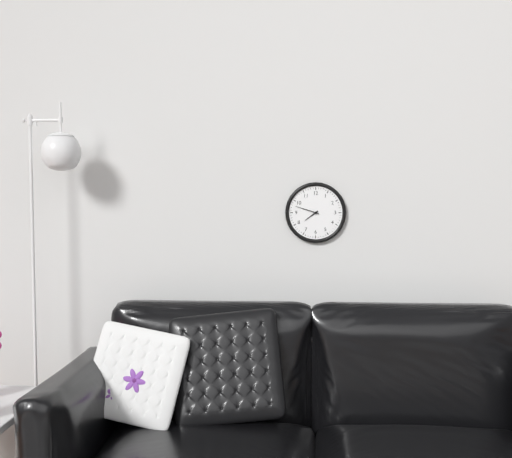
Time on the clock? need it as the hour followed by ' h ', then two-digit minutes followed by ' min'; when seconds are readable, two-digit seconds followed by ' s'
7 h 48 min
